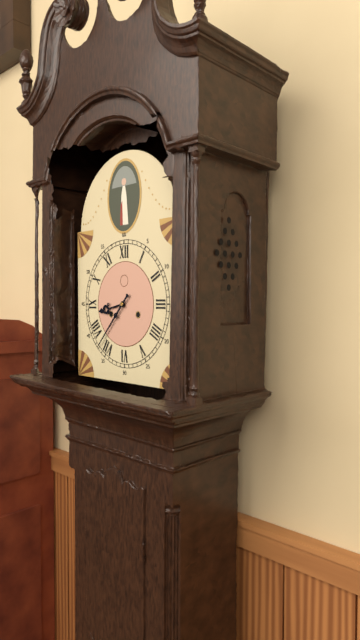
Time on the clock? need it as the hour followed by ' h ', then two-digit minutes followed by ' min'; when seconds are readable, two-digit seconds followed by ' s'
8 h 37 min
